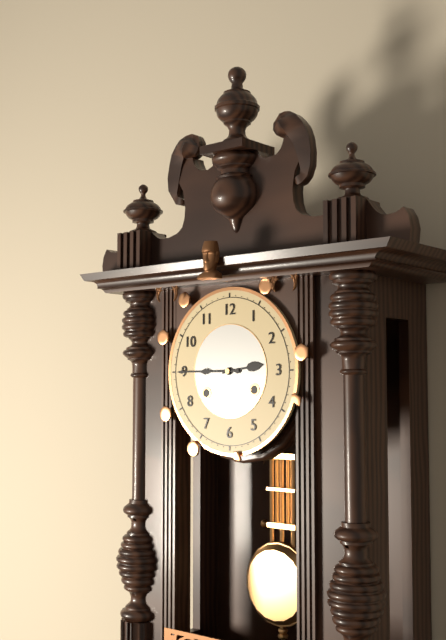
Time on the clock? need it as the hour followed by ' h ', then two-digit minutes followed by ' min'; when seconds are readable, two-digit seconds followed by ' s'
2 h 45 min
